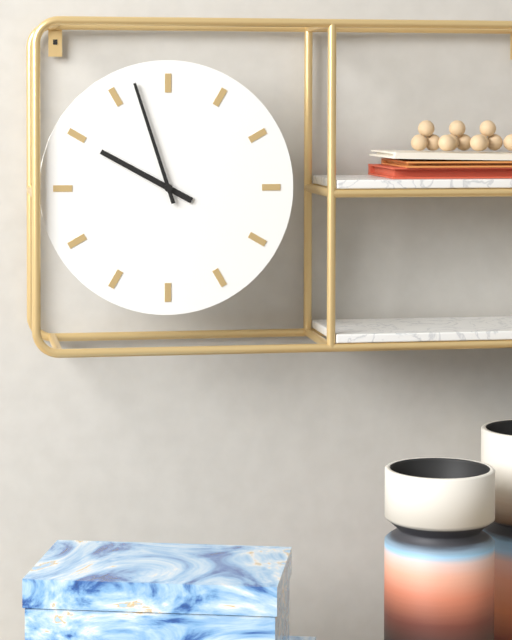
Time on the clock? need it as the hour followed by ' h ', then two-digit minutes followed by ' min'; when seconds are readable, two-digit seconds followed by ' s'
9 h 57 min
